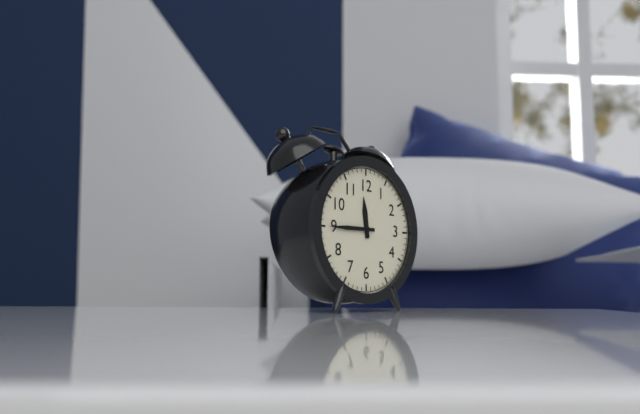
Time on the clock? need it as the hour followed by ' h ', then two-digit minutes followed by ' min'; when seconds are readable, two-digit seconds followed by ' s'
11 h 45 min
